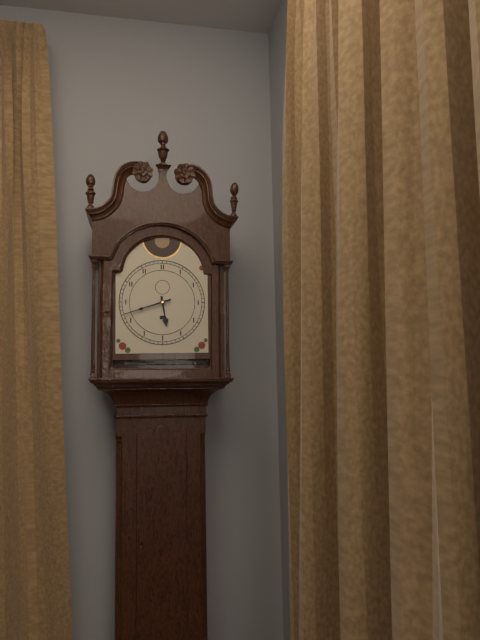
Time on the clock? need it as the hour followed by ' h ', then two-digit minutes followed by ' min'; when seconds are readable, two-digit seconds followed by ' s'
5 h 42 min
